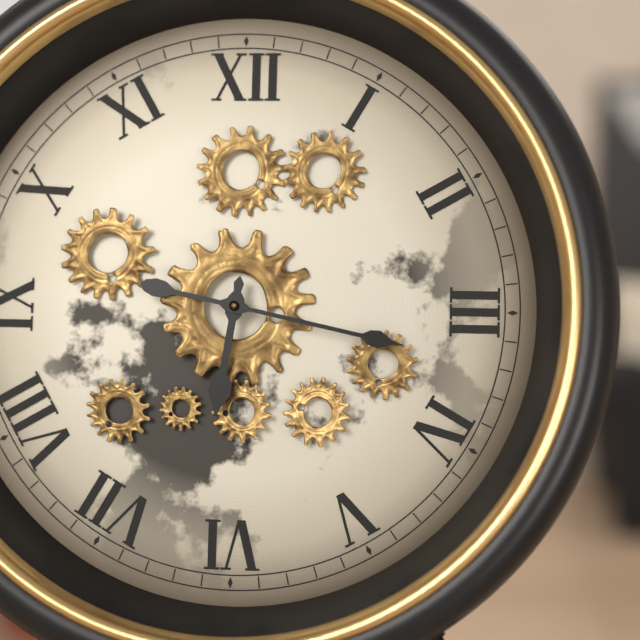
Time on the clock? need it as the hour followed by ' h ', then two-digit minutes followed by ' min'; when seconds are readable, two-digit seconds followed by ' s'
6 h 17 min
